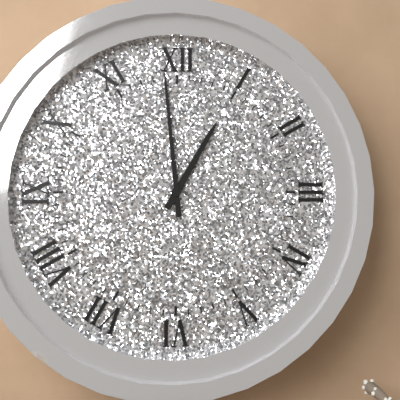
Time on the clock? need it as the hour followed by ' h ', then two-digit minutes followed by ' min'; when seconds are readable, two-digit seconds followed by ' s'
12 h 59 min
